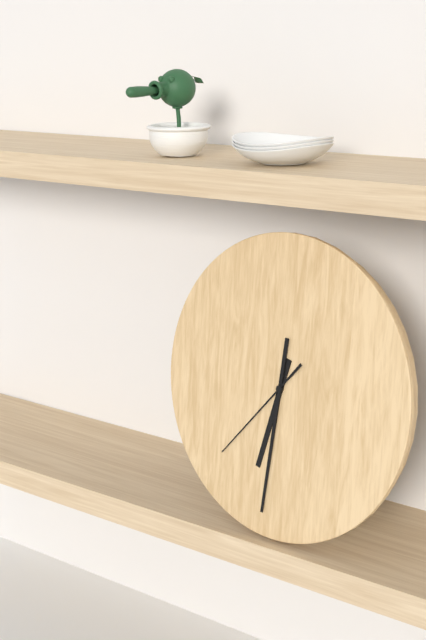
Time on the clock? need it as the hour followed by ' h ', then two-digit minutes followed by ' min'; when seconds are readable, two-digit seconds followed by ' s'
6 h 31 min 37 s
